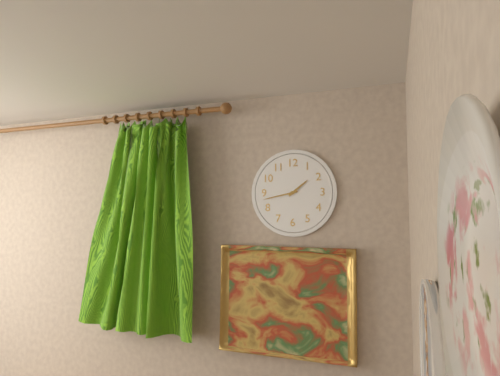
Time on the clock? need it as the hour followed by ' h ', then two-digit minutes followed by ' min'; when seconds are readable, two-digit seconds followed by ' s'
1 h 43 min
